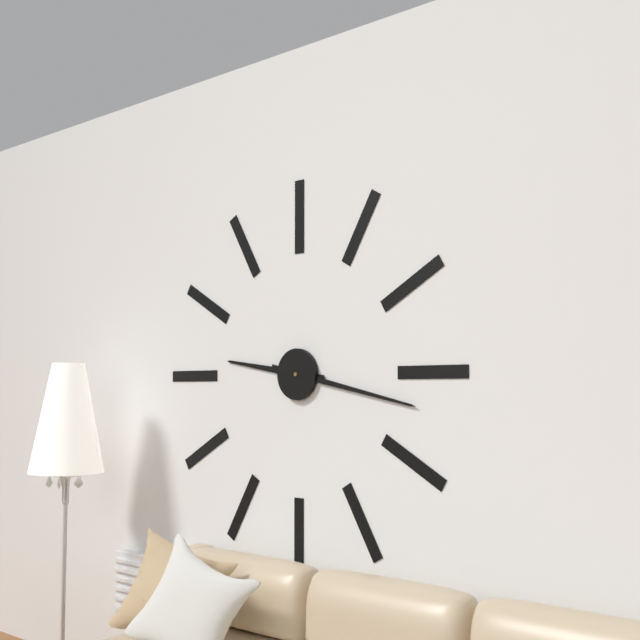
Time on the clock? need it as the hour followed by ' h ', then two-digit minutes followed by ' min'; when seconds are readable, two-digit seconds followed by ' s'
9 h 17 min
